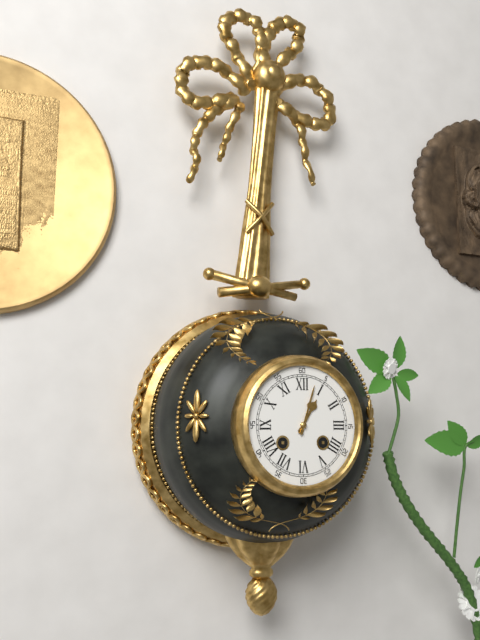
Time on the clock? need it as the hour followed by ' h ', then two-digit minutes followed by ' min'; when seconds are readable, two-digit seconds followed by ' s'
1 h 03 min
